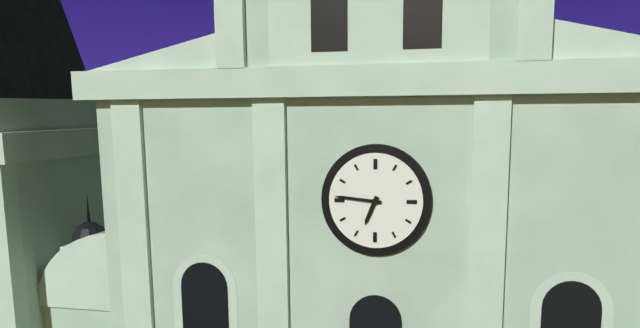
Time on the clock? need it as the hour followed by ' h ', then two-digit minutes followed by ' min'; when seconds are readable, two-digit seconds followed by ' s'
6 h 46 min
